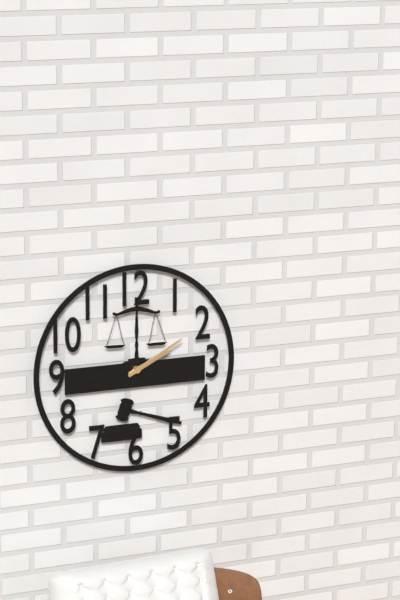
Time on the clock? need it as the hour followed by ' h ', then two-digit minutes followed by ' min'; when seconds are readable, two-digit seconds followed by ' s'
2 h 10 min
